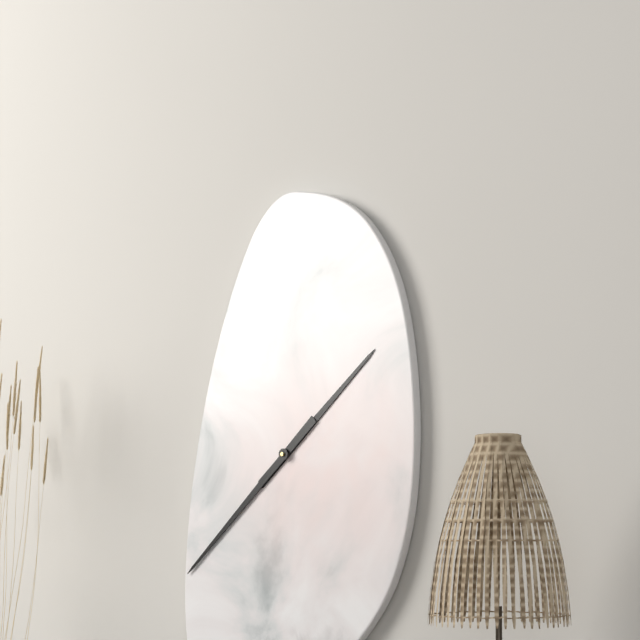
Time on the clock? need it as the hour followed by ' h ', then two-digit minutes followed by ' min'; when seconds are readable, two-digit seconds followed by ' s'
1 h 38 min
